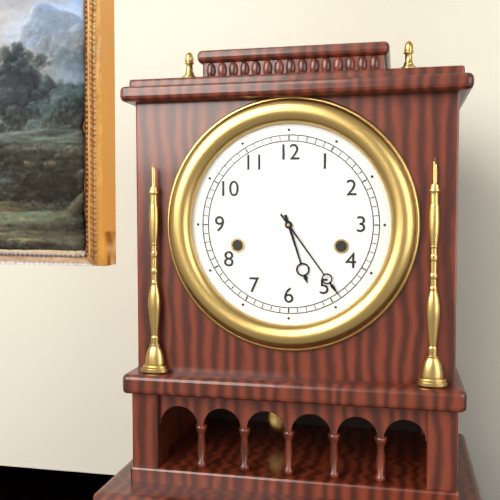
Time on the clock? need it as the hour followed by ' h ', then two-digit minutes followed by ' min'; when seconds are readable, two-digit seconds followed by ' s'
5 h 24 min
